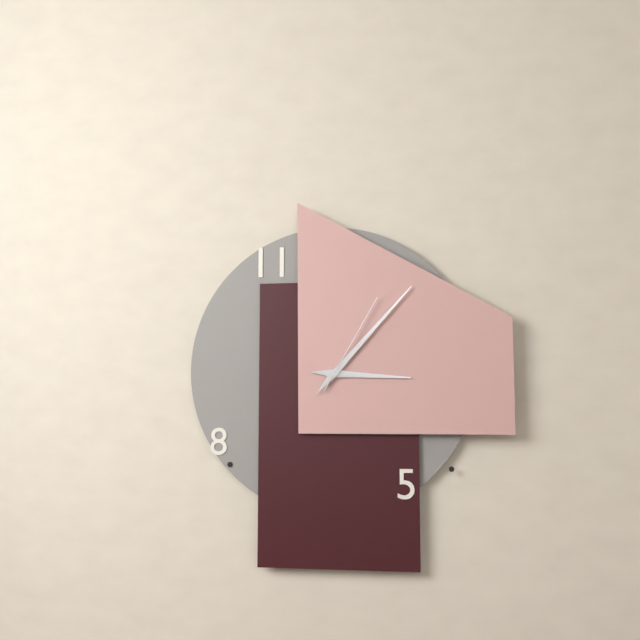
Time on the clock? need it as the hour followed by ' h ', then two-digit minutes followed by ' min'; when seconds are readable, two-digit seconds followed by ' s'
3 h 07 min 05 s
